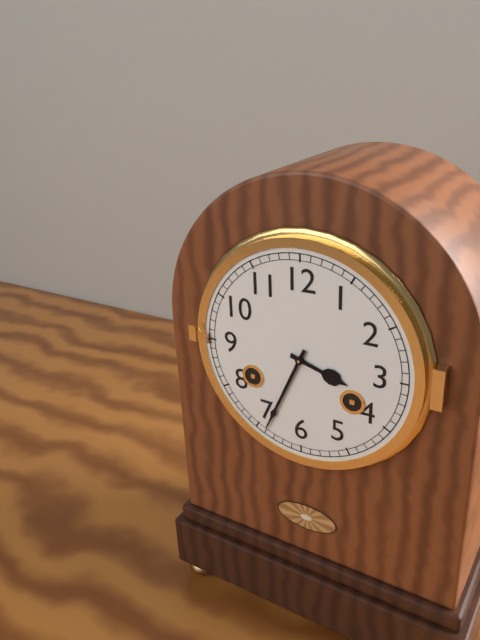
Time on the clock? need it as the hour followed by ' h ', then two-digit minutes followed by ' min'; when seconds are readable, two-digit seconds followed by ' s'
3 h 34 min
